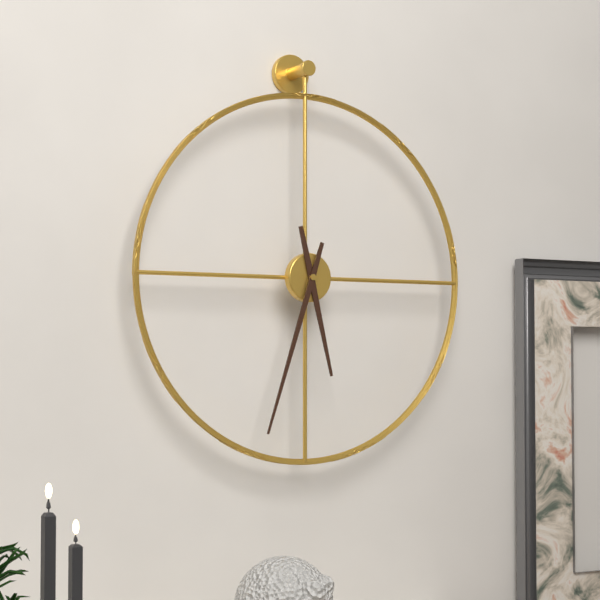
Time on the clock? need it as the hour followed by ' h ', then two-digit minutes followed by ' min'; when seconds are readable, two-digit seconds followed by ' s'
5 h 33 min
